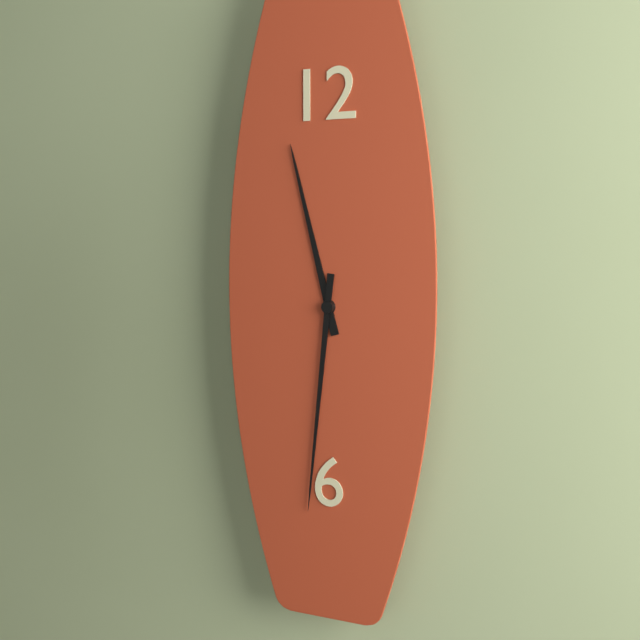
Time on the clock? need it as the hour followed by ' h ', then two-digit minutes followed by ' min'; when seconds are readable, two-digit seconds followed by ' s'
11 h 31 min
